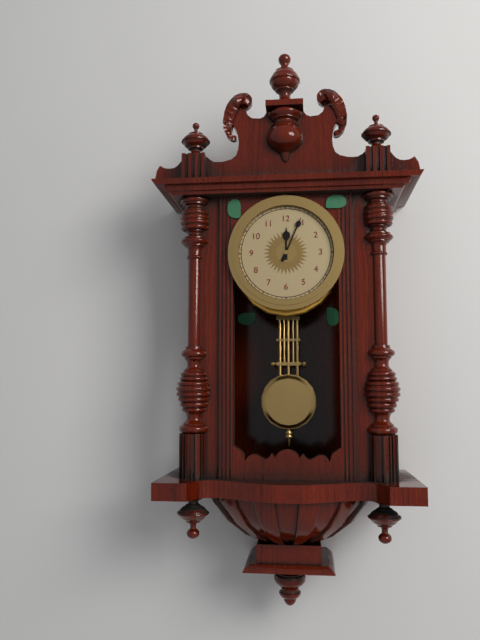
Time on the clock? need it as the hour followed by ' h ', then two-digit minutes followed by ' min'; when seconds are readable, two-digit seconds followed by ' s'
12 h 04 min
